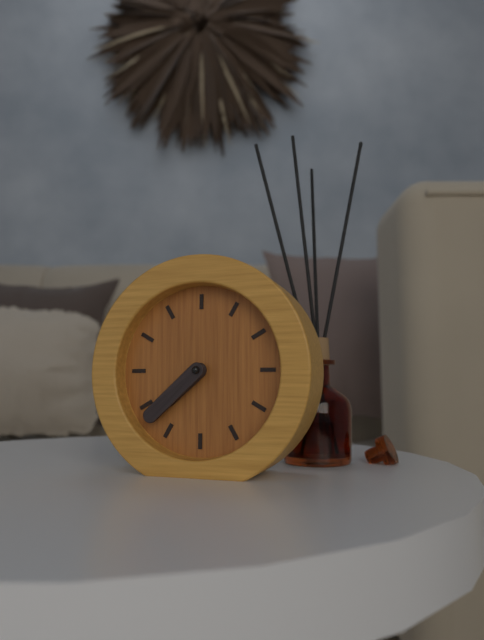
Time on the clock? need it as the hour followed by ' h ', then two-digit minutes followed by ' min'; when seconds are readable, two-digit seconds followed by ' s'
7 h 38 min
